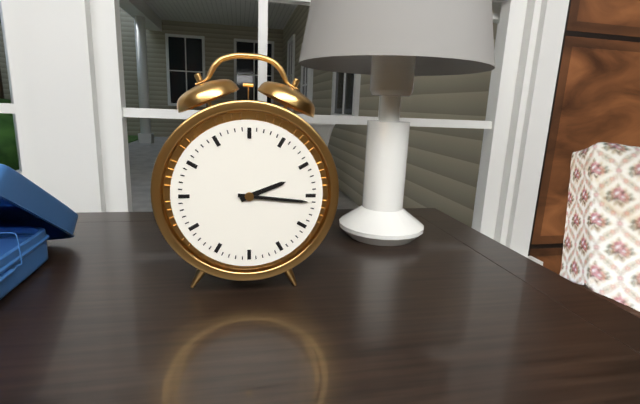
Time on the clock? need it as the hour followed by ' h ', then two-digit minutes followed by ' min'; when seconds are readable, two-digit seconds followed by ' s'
2 h 16 min
